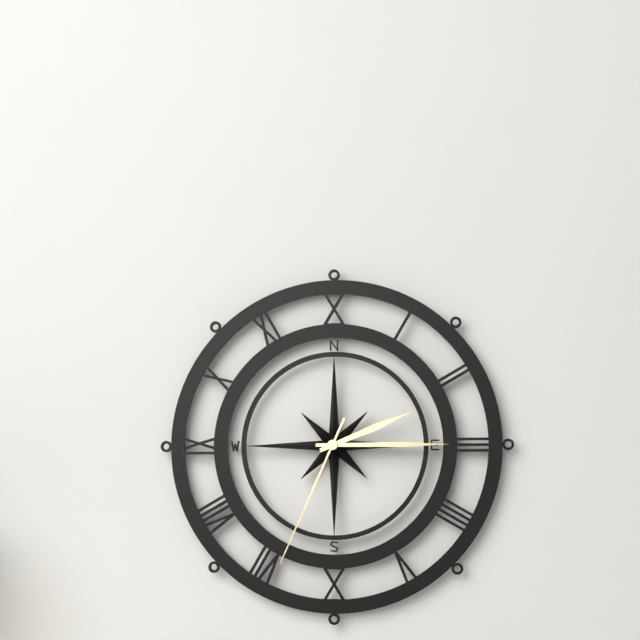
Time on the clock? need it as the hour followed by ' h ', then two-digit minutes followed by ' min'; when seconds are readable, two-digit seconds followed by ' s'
2 h 15 min 34 s
